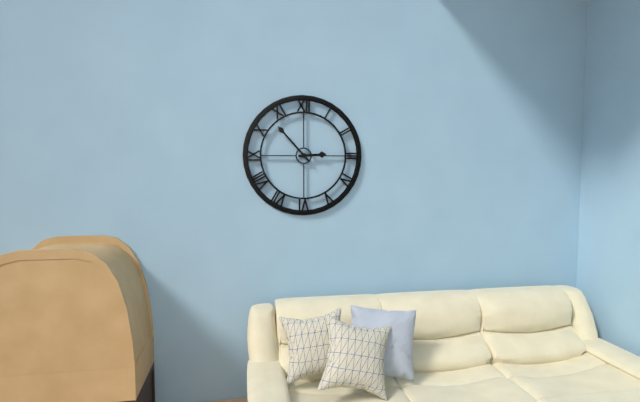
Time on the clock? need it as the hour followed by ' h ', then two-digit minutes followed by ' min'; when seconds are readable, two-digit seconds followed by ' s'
2 h 53 min
